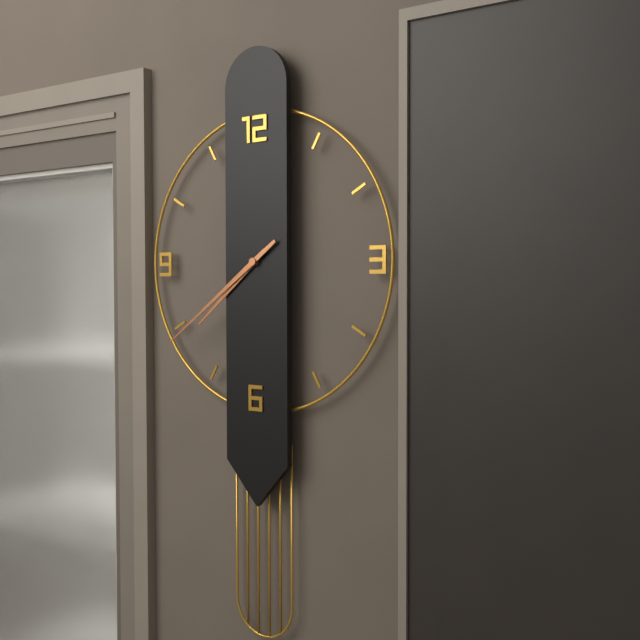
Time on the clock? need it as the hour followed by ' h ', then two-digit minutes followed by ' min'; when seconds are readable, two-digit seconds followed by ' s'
7 h 39 min
